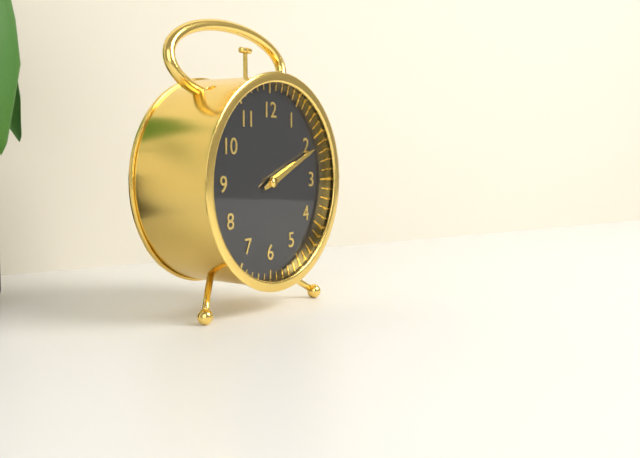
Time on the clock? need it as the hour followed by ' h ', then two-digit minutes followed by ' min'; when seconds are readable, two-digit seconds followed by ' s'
2 h 11 min
